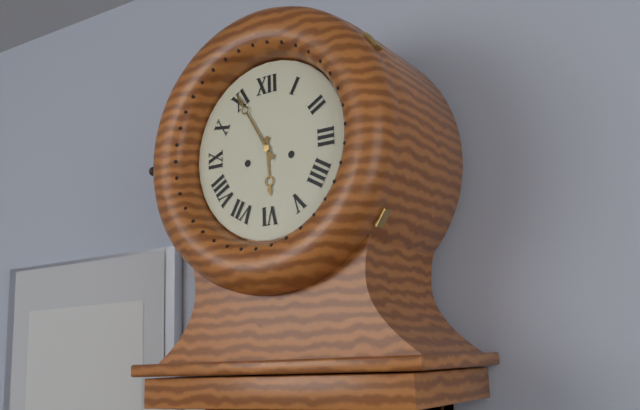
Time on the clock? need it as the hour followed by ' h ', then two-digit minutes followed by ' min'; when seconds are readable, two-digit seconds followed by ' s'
5 h 55 min
